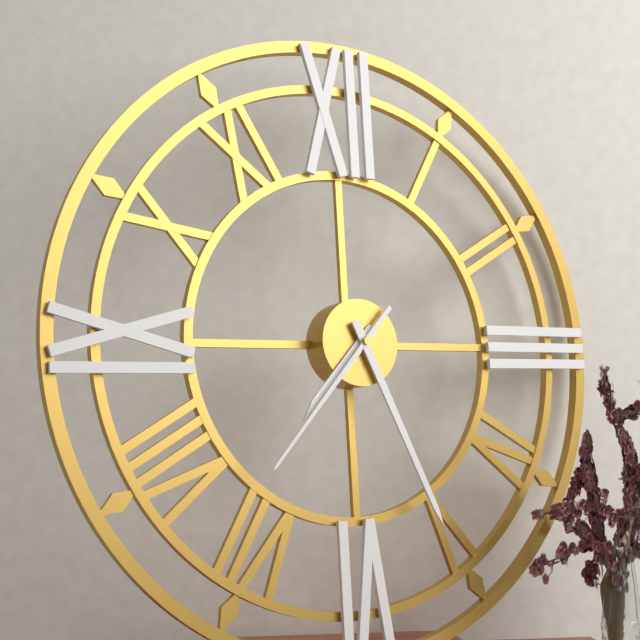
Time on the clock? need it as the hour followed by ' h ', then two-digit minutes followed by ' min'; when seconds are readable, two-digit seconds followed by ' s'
7 h 26 min 37 s
